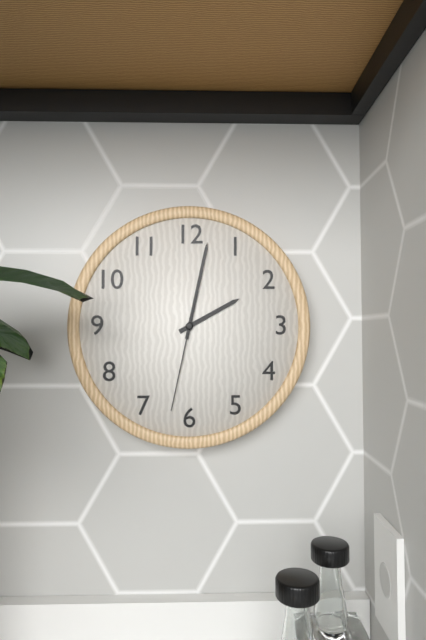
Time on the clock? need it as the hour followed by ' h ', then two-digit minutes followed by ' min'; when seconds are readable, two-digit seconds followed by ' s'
2 h 02 min 32 s
